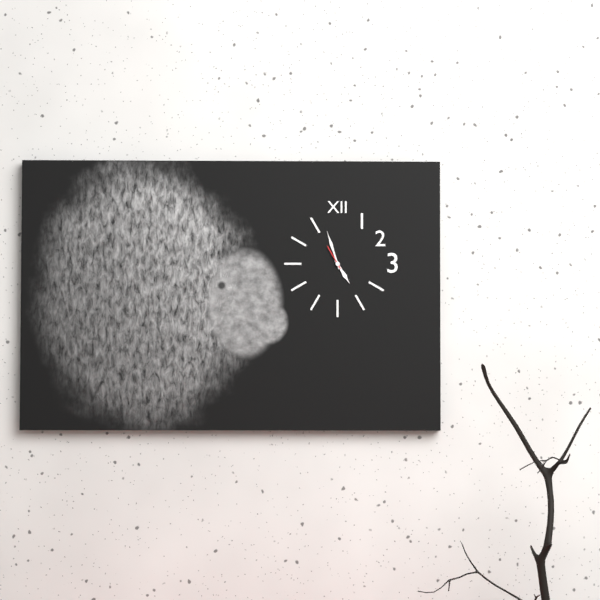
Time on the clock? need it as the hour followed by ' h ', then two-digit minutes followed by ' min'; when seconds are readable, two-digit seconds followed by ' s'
4 h 57 min
